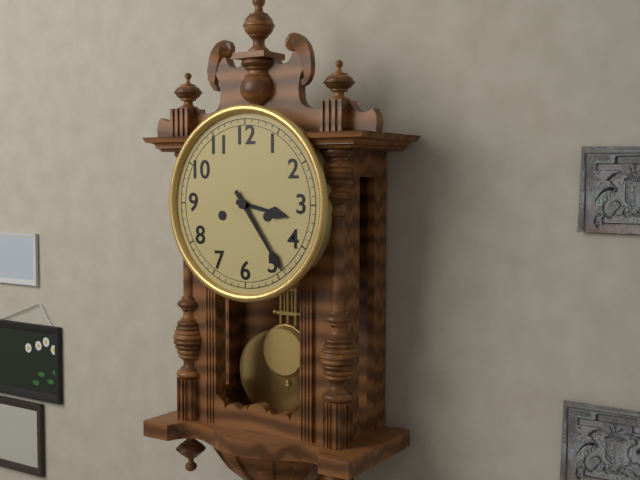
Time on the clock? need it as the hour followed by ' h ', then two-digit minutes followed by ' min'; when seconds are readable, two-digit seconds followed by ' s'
3 h 24 min
